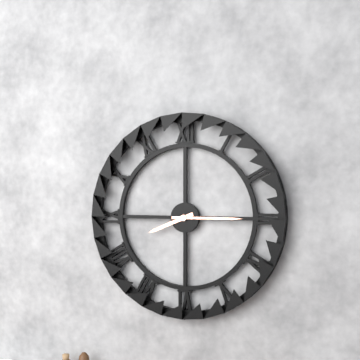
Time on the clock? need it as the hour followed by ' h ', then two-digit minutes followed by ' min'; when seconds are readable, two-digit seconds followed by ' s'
8 h 15 min
